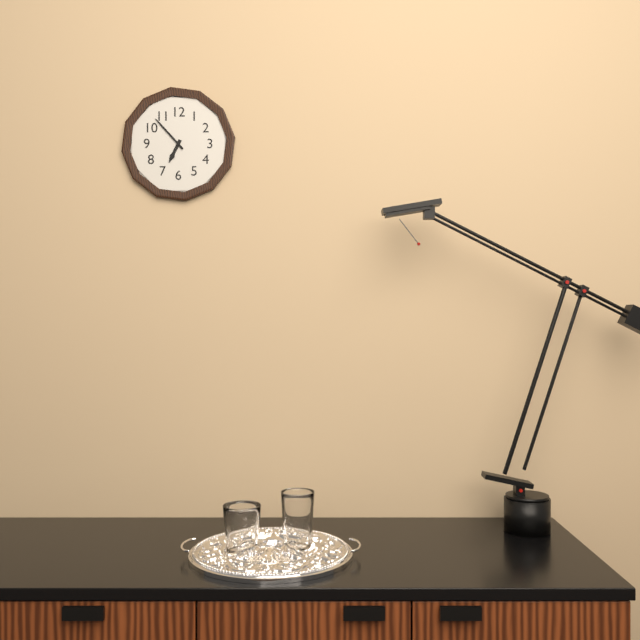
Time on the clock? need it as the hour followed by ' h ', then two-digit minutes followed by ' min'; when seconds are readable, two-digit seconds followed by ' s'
6 h 53 min
